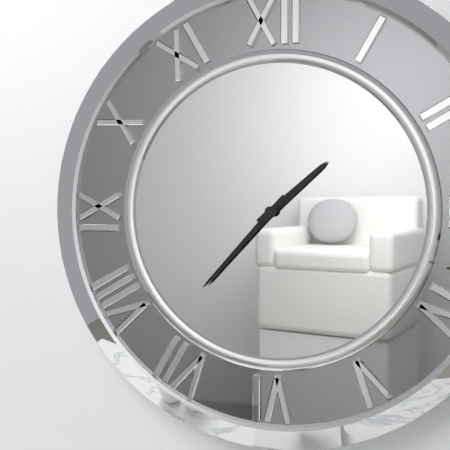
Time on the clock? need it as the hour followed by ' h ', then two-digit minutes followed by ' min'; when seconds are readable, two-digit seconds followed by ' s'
1 h 37 min
